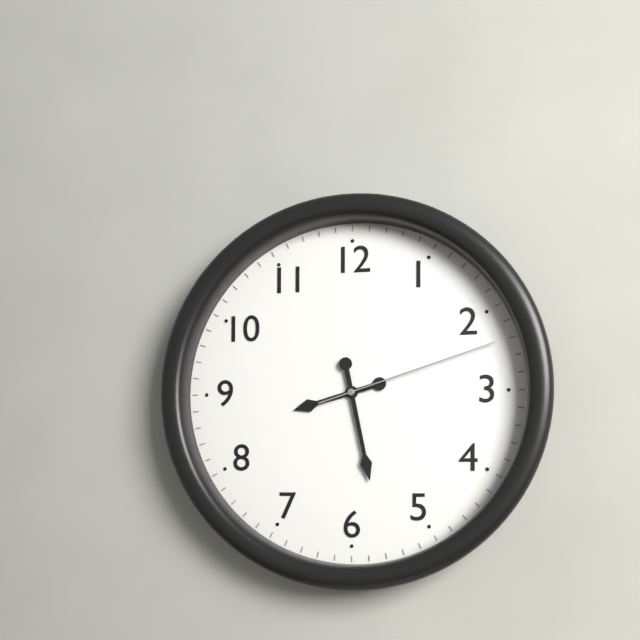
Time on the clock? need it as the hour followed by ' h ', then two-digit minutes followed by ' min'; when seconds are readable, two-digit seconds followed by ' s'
8 h 28 min 12 s
